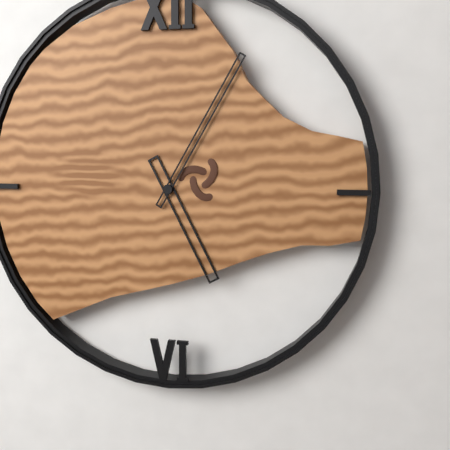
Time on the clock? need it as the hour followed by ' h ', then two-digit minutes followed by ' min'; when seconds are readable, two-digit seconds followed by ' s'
5 h 05 min
